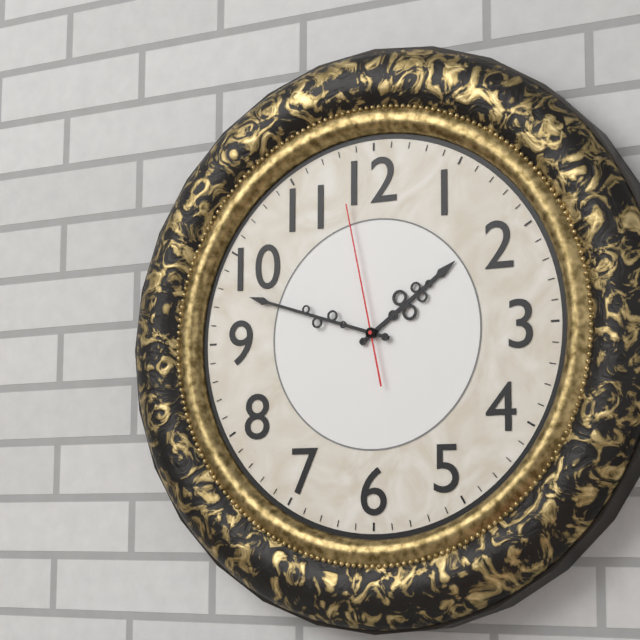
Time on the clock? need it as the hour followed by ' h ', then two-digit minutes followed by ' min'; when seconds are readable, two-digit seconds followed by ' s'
1 h 48 min 58 s
